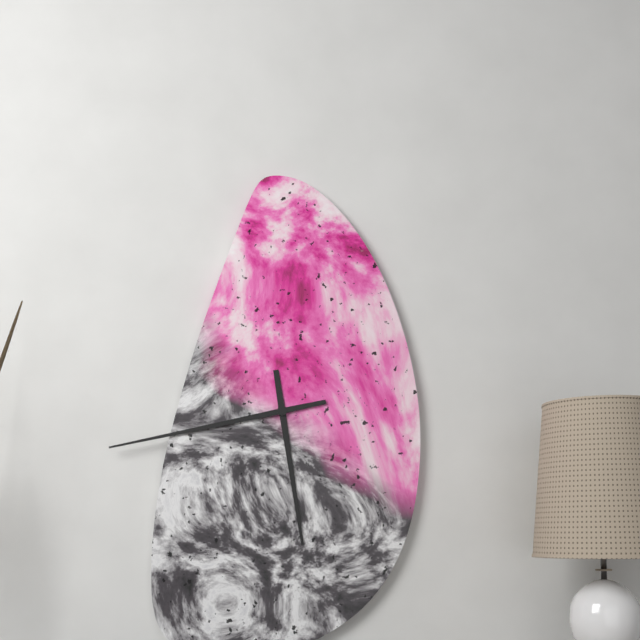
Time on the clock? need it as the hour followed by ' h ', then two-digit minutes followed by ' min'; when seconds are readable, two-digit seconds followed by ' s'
5 h 43 min
